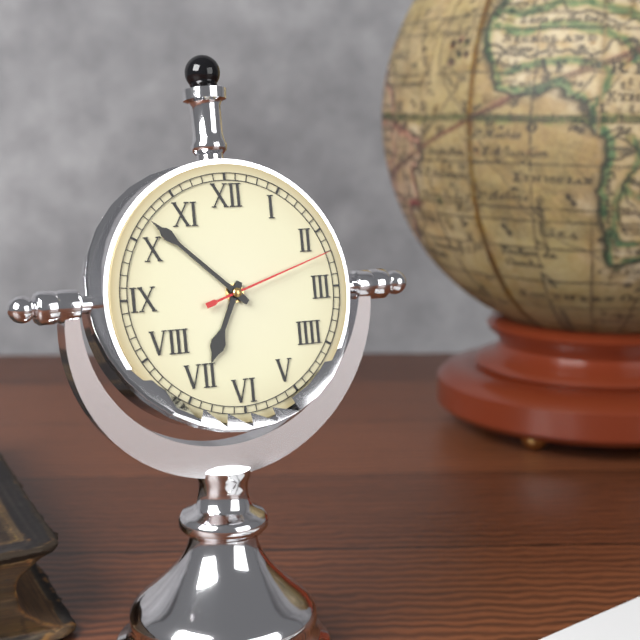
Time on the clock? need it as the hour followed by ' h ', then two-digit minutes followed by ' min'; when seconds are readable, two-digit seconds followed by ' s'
6 h 52 min 12 s
